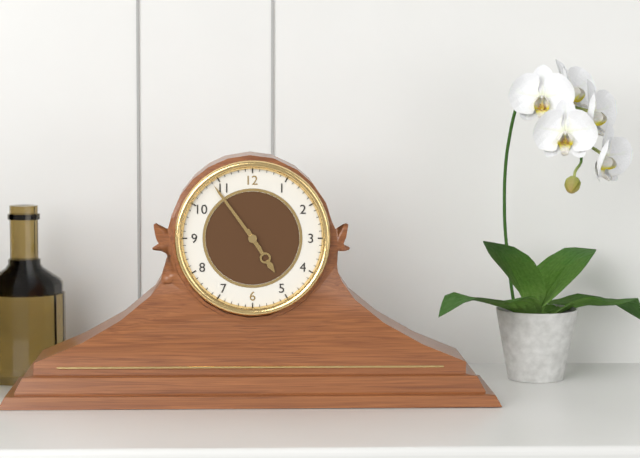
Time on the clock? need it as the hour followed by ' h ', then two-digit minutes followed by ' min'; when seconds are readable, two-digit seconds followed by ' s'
4 h 54 min
